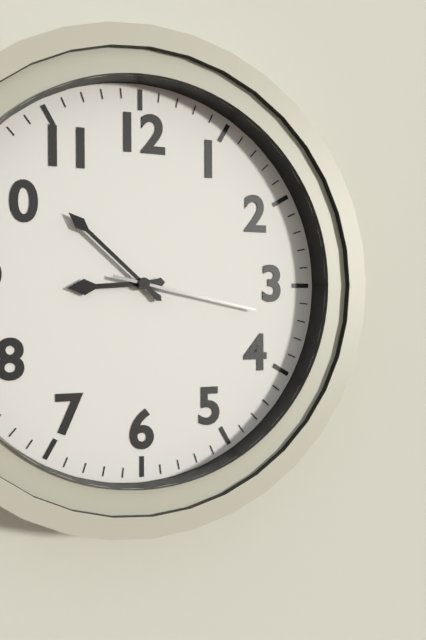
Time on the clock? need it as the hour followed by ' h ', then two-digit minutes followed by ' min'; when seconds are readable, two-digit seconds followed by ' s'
8 h 52 min 17 s
